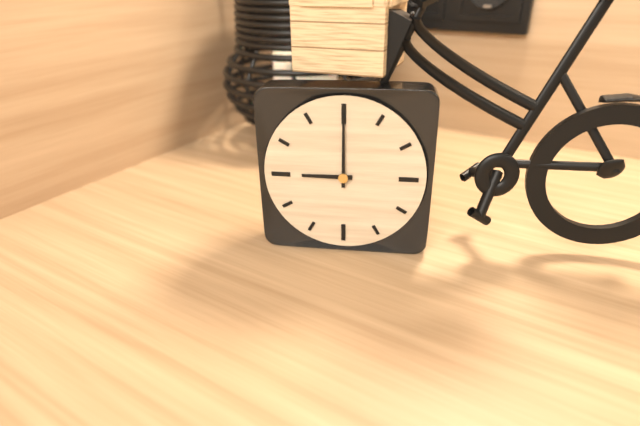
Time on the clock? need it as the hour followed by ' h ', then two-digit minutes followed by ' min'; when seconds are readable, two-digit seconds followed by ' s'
9 h 00 min
